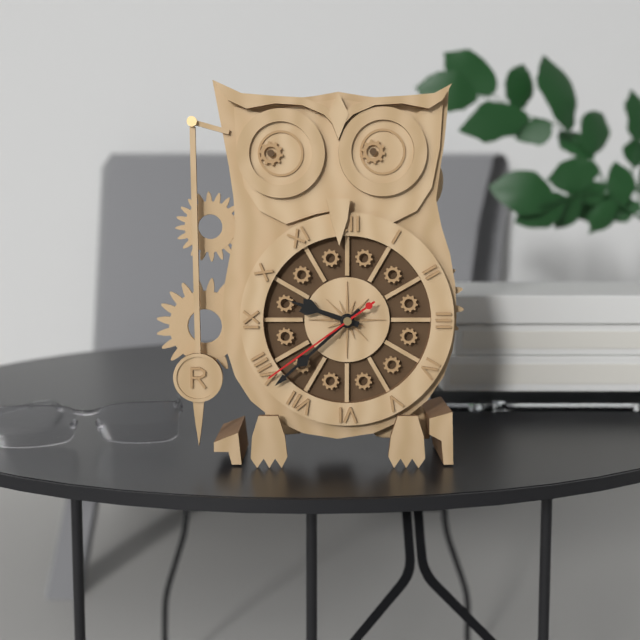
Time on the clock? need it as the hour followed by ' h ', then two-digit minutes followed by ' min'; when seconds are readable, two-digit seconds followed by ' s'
9 h 38 min 39 s
